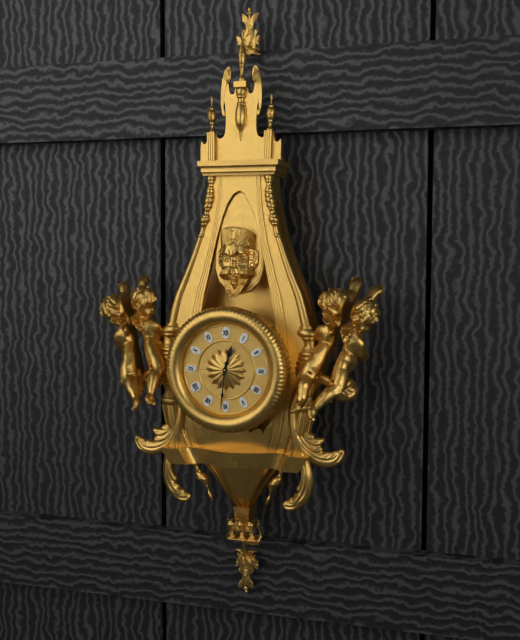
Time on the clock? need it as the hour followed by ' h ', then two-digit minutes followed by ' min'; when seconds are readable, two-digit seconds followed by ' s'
12 h 31 min
